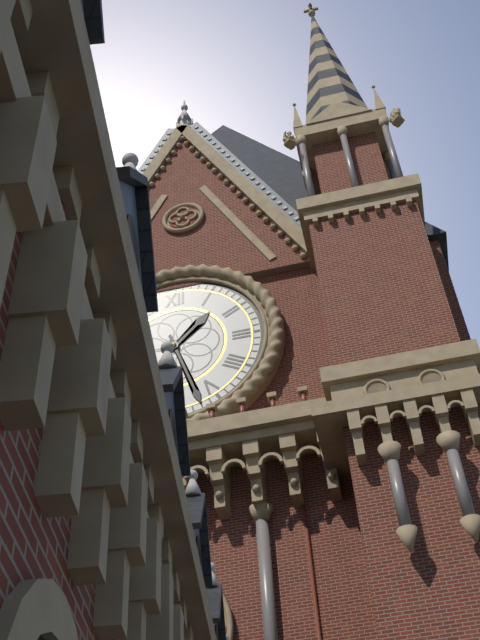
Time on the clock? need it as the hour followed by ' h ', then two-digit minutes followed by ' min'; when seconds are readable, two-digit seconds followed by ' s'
1 h 27 min
